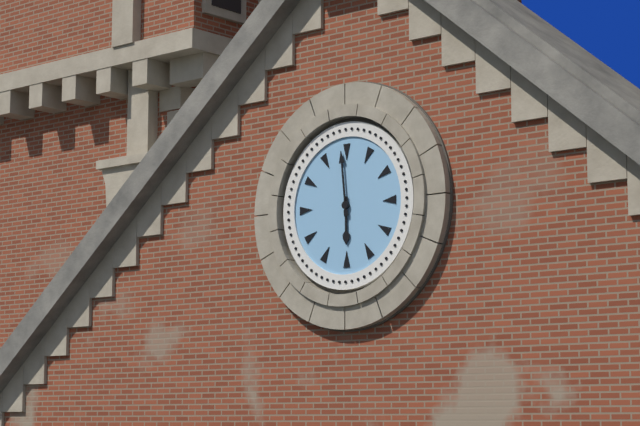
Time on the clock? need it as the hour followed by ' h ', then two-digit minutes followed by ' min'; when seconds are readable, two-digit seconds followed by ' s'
5 h 59 min
